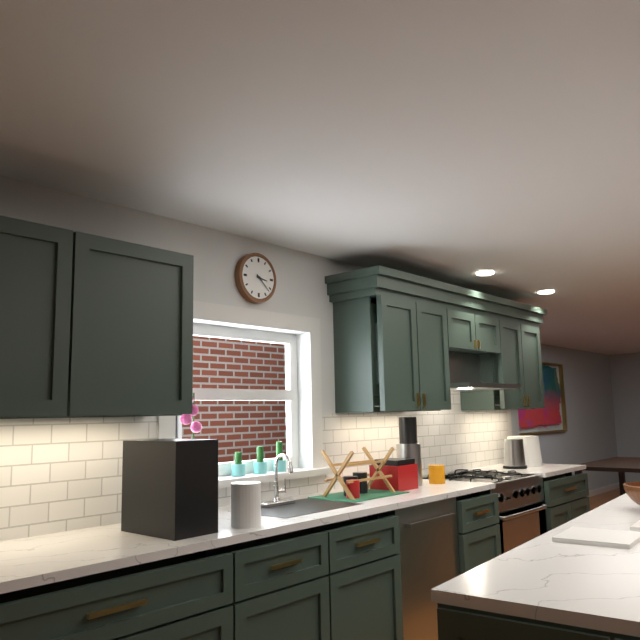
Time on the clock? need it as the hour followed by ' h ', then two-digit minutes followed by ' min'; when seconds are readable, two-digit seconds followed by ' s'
3 h 22 min
